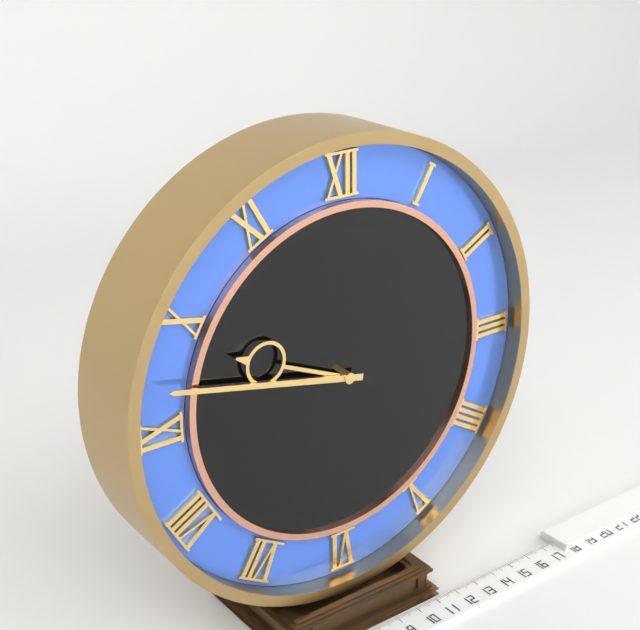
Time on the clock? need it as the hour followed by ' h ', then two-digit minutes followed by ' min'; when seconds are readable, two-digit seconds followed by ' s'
9 h 47 min
